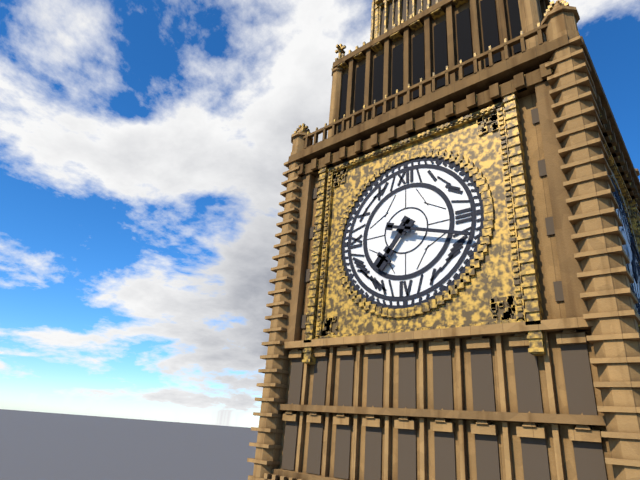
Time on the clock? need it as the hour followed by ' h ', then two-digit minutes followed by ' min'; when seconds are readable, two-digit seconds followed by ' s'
7 h 18 min
